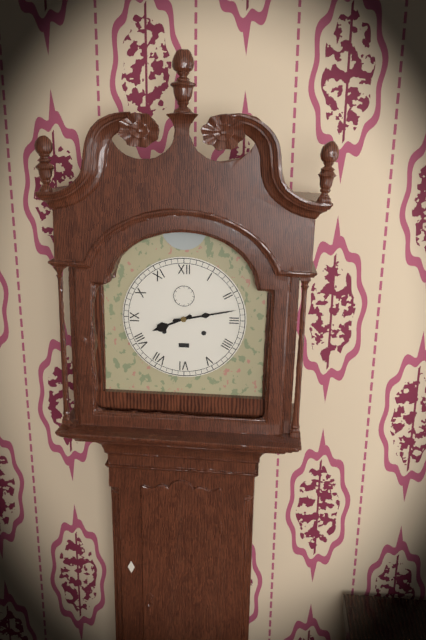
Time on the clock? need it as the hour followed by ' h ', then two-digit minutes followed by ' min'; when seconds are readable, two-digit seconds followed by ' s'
8 h 13 min
